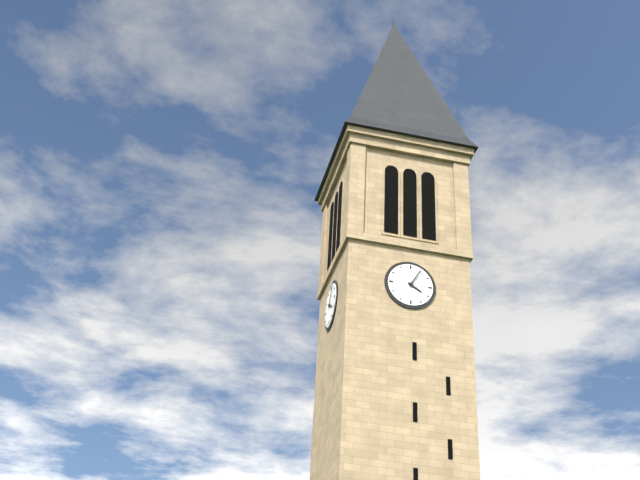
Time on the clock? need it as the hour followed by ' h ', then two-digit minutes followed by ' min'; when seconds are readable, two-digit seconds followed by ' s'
4 h 05 min
